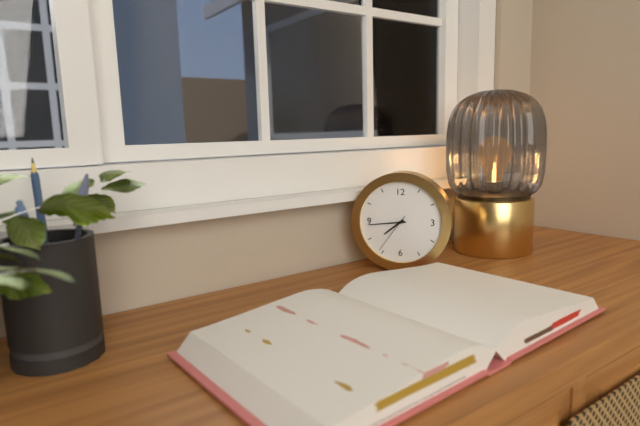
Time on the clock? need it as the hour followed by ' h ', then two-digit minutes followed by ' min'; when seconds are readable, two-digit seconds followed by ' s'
7 h 44 min
